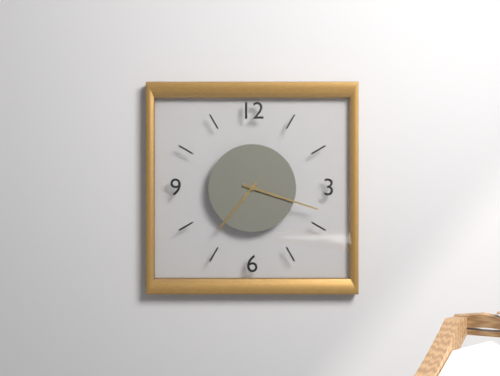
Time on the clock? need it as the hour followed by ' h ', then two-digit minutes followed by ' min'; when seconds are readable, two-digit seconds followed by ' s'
7 h 18 min
